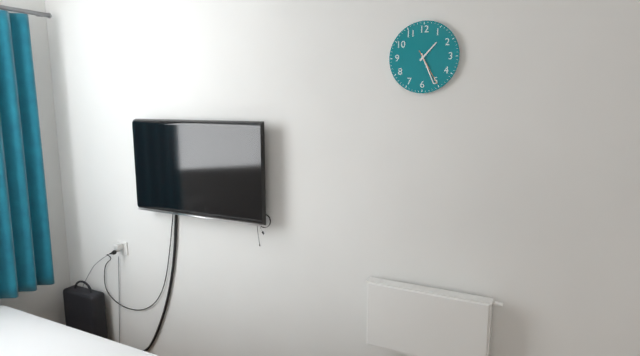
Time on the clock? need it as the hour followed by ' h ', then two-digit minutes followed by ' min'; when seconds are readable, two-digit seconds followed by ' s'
1 h 26 min
